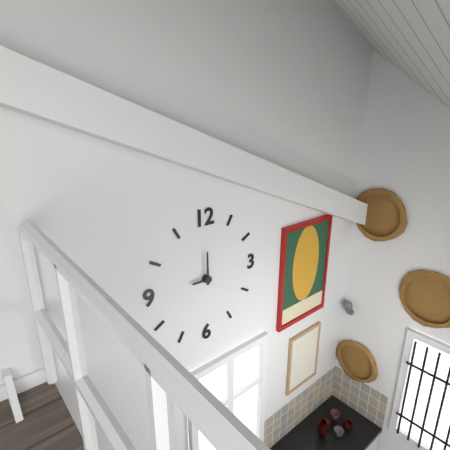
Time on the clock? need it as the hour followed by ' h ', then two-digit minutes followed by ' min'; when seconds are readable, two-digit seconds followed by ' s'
9 h 00 min
